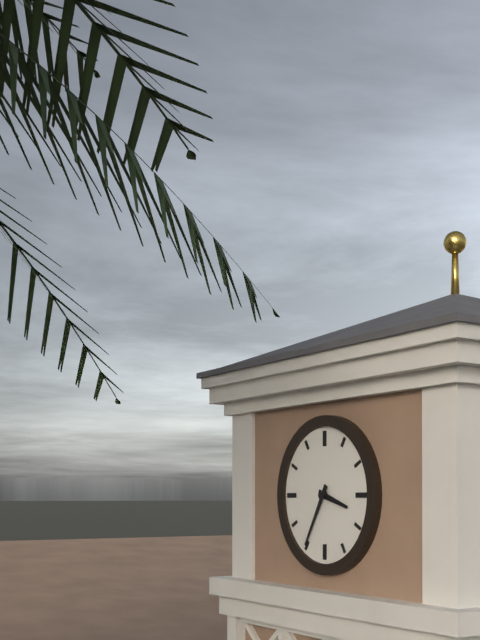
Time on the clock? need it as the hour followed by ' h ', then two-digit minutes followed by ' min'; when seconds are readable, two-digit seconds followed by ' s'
3 h 35 min
